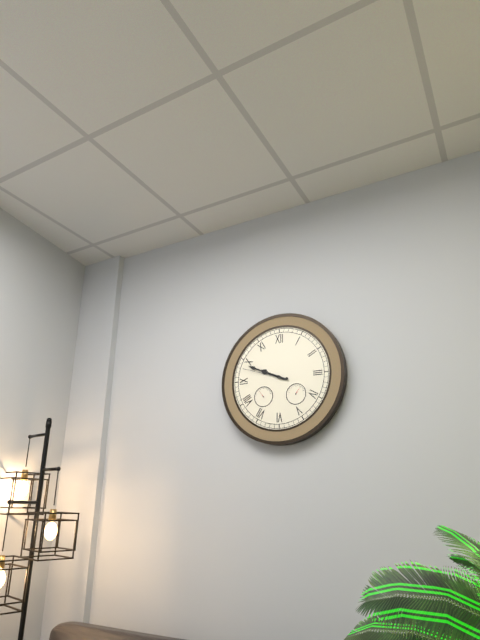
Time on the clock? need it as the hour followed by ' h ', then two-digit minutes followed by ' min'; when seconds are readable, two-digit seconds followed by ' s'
9 h 49 min 48 s
